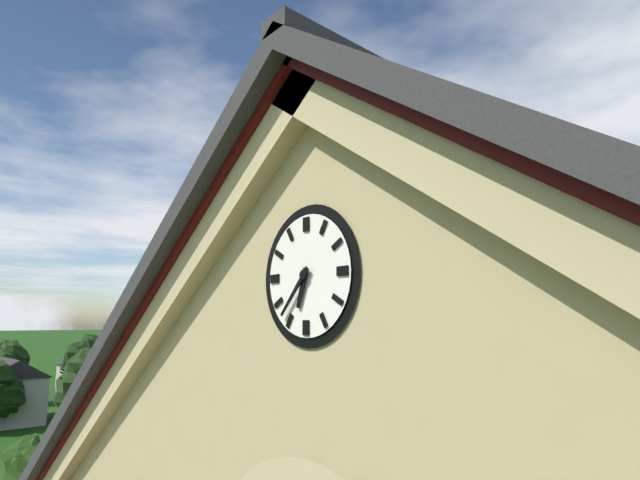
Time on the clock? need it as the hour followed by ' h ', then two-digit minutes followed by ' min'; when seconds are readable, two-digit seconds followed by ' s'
6 h 37 min
